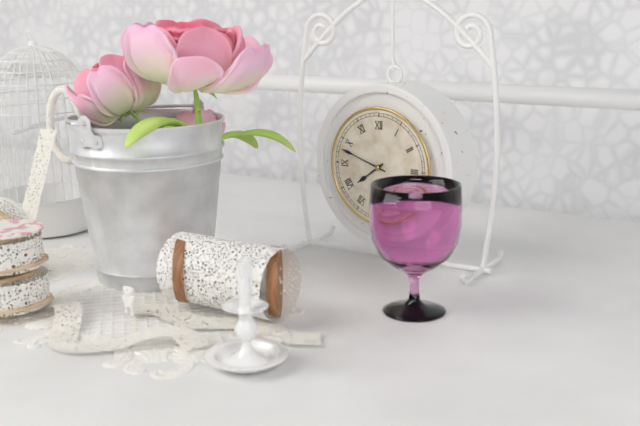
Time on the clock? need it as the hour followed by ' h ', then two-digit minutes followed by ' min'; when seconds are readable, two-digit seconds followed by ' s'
7 h 48 min
